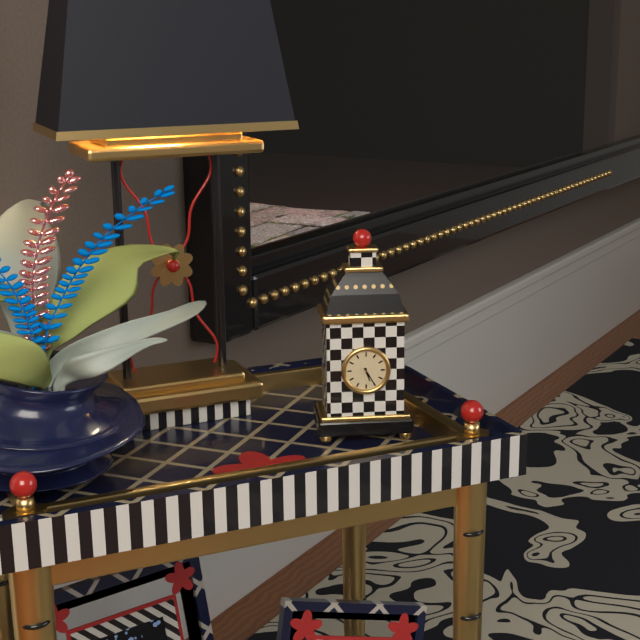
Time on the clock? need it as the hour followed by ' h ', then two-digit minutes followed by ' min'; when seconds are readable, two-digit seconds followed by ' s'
5 h 25 min
